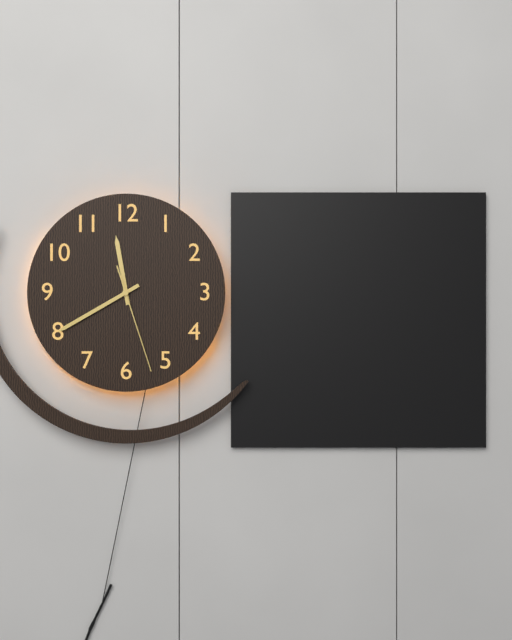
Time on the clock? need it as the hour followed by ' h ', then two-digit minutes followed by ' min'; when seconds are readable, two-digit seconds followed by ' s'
11 h 40 min 27 s
